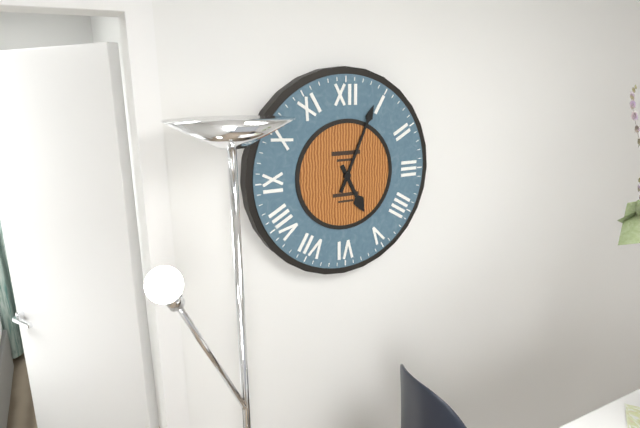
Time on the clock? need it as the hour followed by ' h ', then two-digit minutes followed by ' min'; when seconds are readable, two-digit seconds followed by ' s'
5 h 04 min
